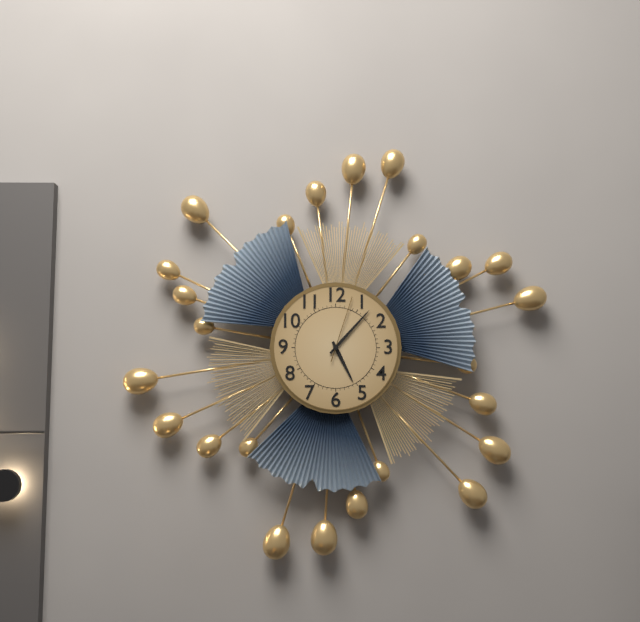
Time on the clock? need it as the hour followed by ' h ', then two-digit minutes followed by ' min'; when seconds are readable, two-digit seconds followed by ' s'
5 h 07 min 03 s
